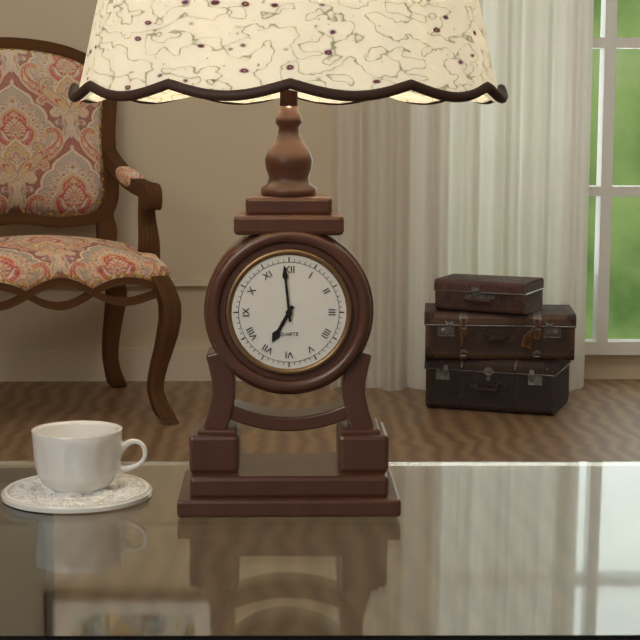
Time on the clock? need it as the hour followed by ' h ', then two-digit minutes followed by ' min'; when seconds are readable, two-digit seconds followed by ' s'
6 h 59 min
